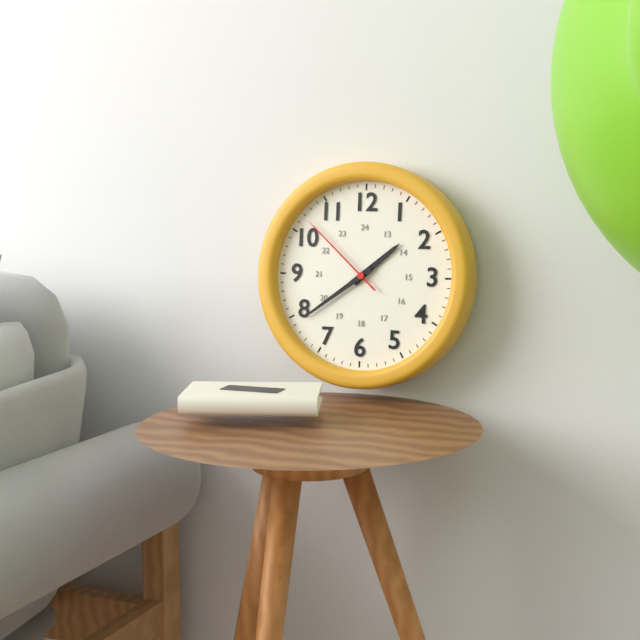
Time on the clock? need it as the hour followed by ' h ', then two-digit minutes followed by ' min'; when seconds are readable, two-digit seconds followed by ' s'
1 h 39 min 52 s
